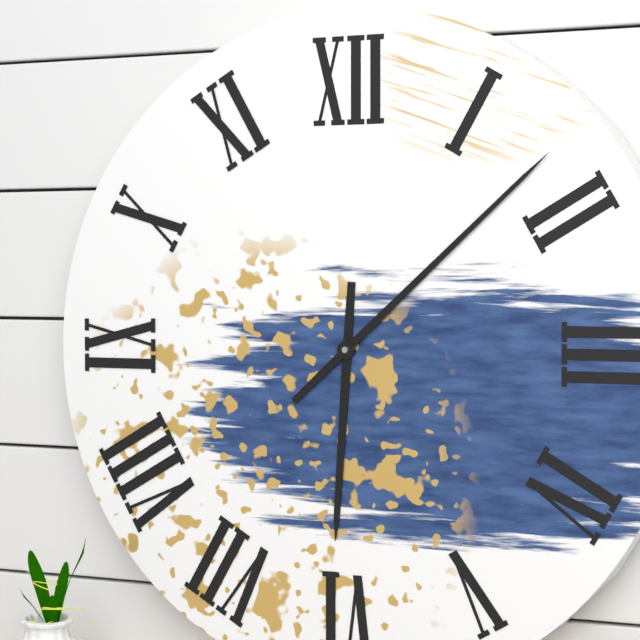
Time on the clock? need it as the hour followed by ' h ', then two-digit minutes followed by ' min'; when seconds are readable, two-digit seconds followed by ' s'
6 h 08 min
